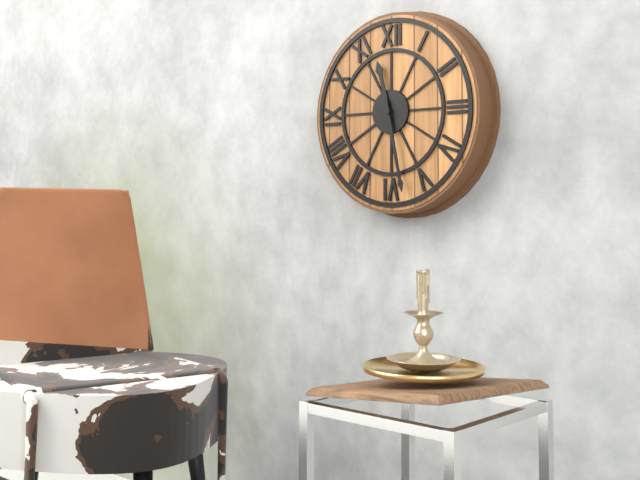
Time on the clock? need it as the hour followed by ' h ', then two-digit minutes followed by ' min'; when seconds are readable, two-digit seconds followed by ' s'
11 h 28 min
